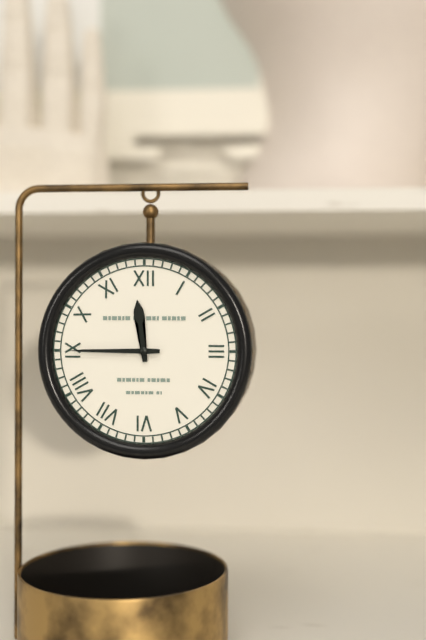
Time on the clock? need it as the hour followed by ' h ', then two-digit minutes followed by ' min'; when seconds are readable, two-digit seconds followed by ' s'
11 h 45 min
